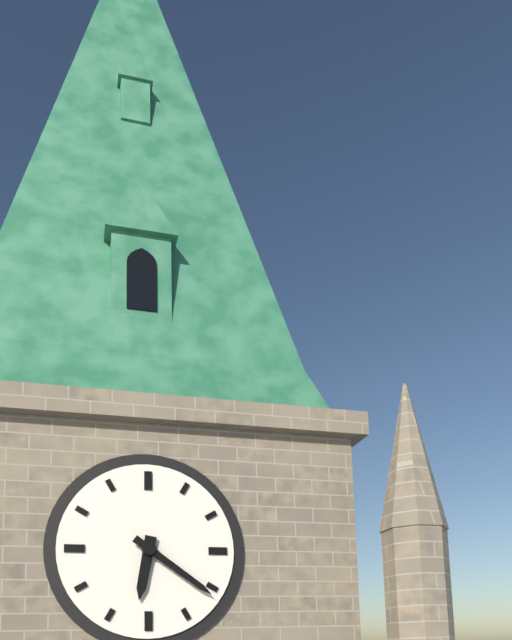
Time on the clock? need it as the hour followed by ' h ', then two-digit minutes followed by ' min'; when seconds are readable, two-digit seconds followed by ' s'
6 h 21 min
